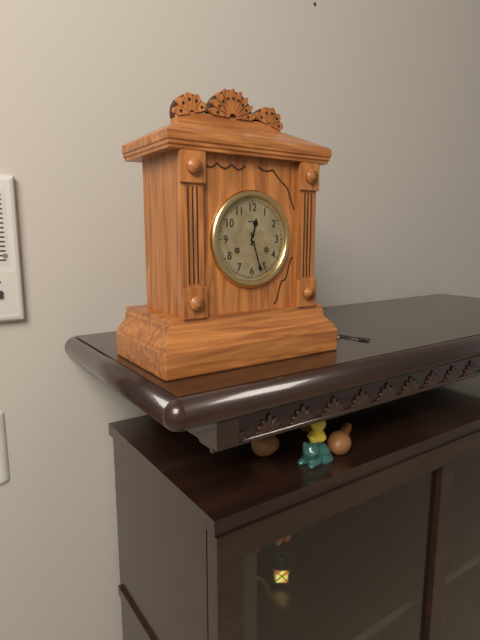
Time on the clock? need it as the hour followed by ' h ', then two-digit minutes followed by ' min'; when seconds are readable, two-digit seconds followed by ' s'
12 h 27 min
